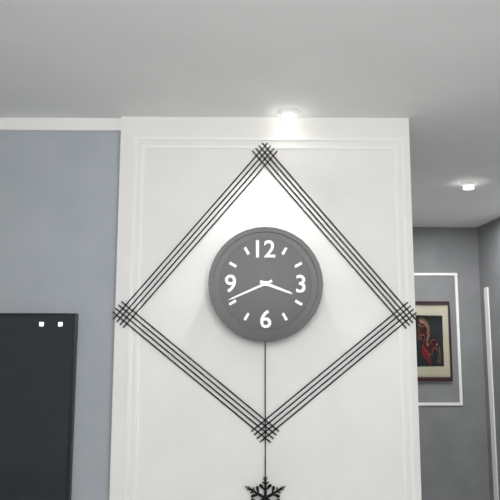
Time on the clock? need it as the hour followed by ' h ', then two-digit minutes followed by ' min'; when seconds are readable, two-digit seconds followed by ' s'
3 h 41 min
